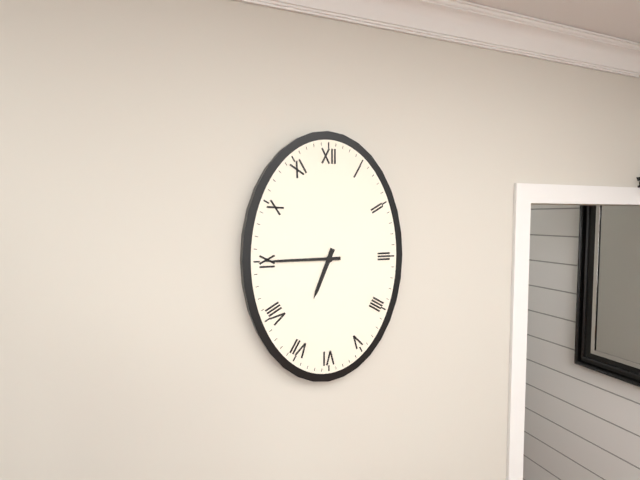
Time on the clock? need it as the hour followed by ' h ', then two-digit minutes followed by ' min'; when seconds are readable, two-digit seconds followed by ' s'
6 h 45 min
